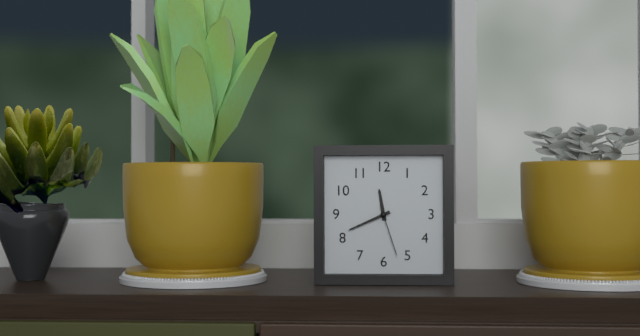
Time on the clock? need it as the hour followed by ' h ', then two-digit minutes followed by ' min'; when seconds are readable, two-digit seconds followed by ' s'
11 h 41 min 27 s
